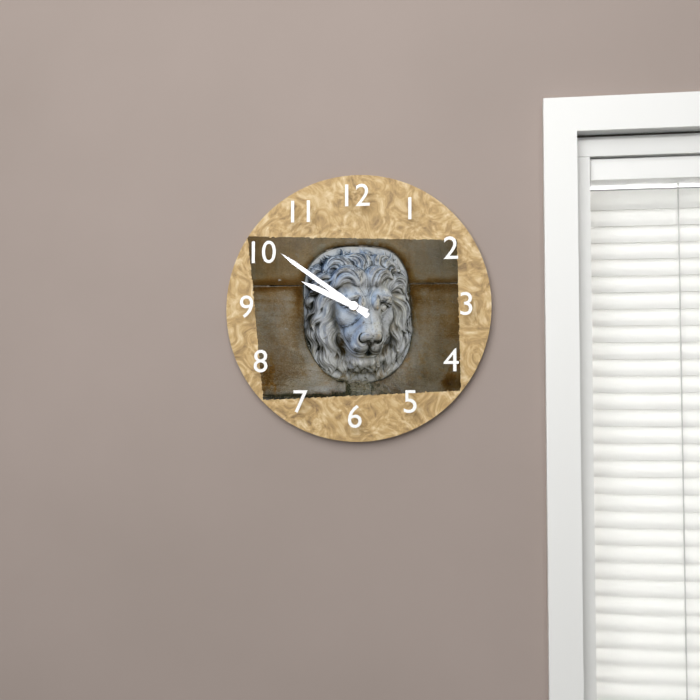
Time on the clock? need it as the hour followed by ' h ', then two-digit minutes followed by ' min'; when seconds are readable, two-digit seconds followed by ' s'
9 h 51 min
